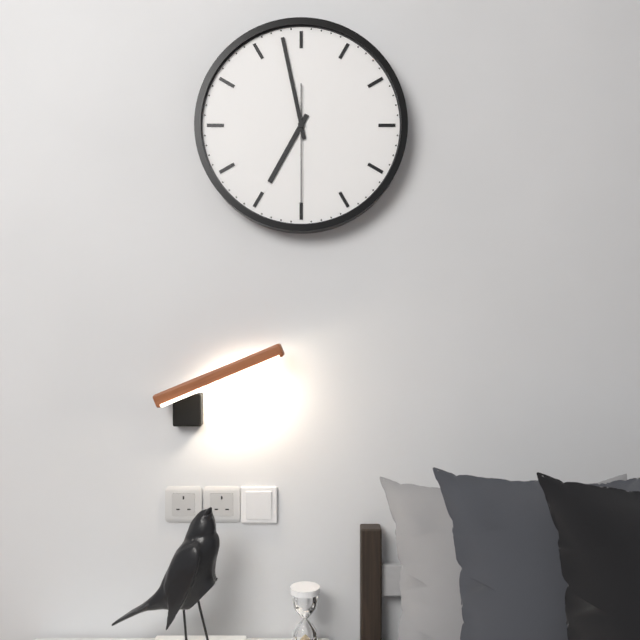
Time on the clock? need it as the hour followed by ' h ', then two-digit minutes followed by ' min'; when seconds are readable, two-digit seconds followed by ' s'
6 h 58 min 30 s
